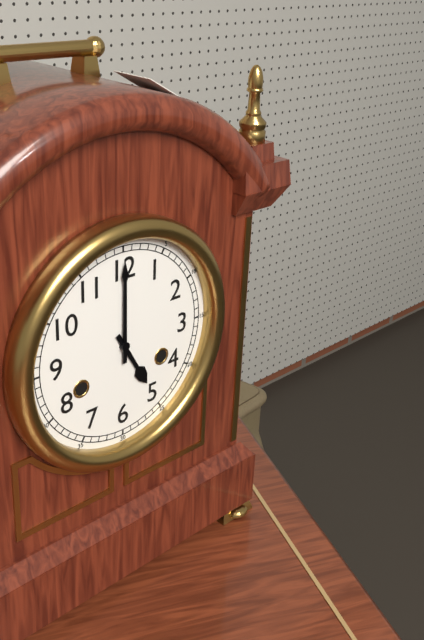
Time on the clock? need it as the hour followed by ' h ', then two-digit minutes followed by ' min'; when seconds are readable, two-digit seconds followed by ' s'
5 h 00 min
